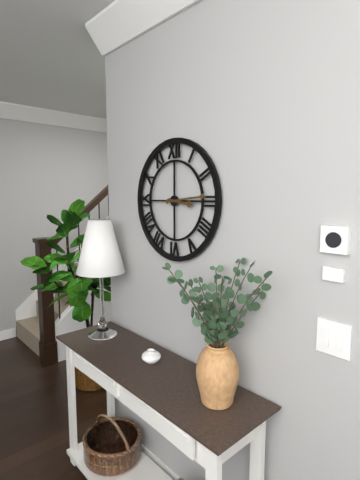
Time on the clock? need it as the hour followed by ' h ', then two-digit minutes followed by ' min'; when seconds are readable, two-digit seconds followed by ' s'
3 h 14 min
